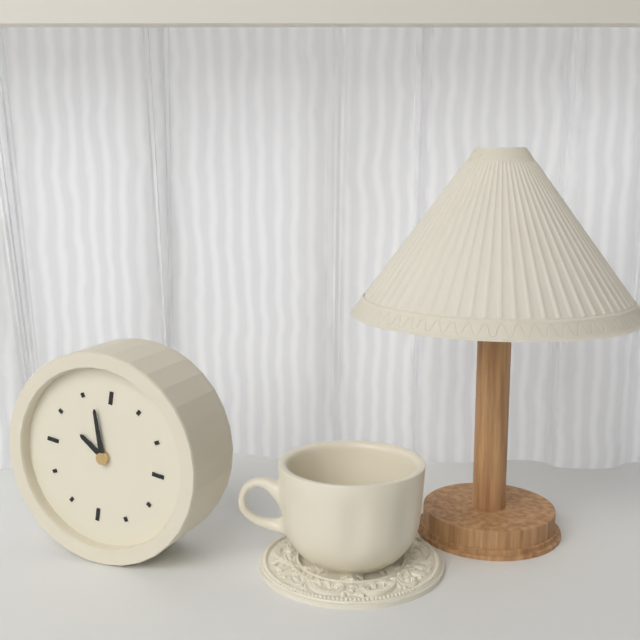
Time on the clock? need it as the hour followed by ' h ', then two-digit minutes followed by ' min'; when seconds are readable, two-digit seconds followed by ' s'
9 h 57 min
